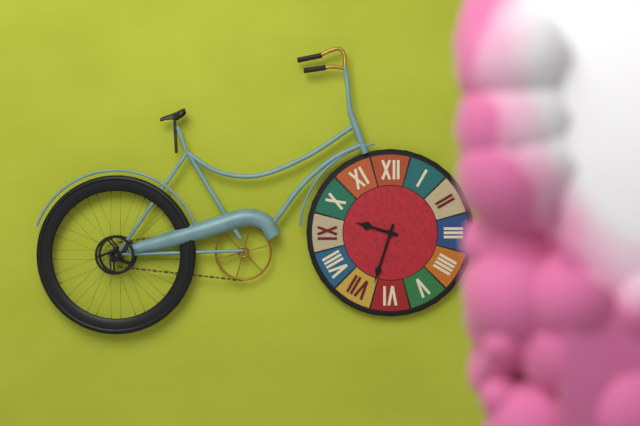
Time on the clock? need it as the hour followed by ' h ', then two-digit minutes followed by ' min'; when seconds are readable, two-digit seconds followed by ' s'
9 h 33 min
